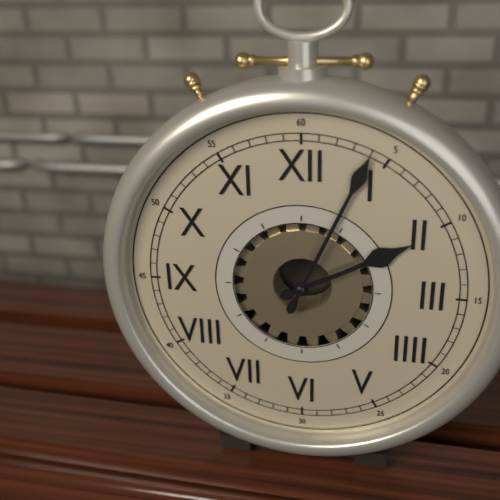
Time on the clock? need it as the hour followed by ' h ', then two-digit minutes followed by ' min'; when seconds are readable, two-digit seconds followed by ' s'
2 h 04 min
